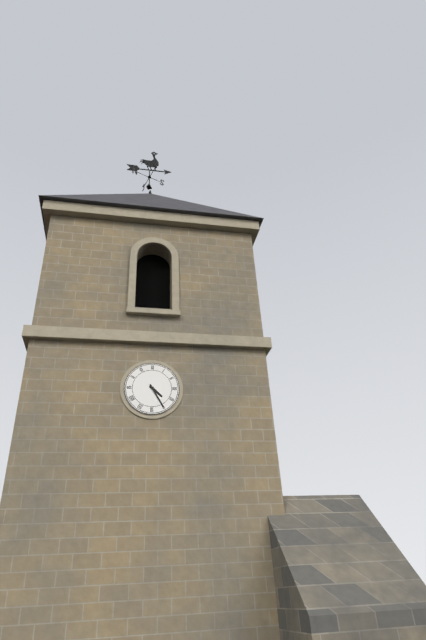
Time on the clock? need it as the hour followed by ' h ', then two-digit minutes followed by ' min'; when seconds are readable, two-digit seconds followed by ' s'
4 h 25 min
